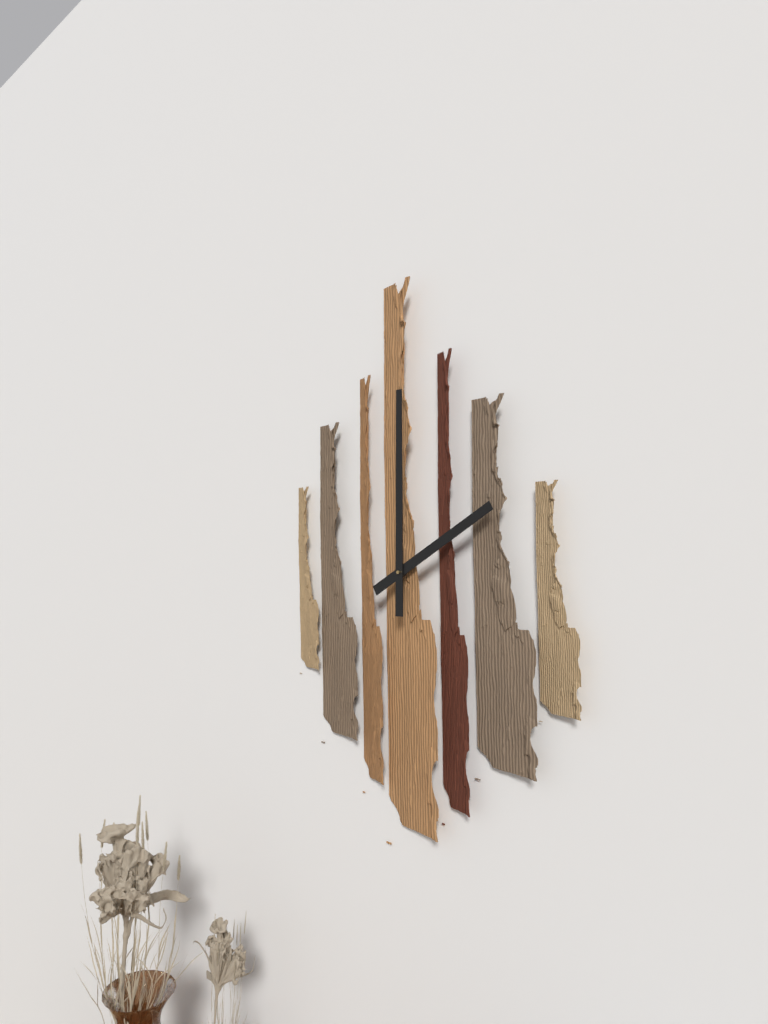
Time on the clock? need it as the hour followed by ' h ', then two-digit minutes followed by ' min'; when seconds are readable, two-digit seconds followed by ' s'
2 h 00 min
